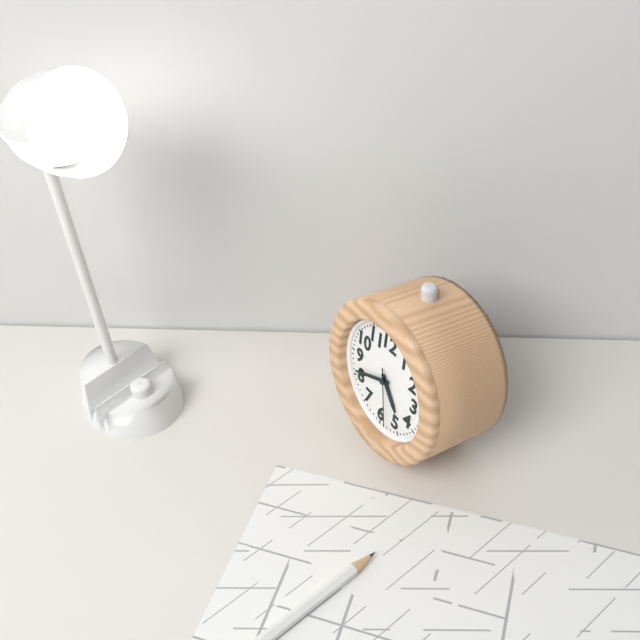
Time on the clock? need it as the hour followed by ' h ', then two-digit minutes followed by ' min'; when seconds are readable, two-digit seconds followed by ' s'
4 h 41 min 28 s
